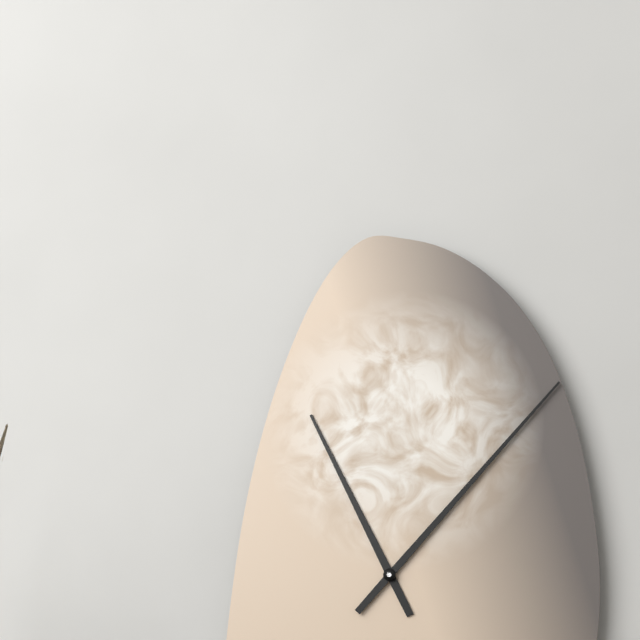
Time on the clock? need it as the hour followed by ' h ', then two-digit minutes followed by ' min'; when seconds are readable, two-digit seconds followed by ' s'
11 h 07 min
